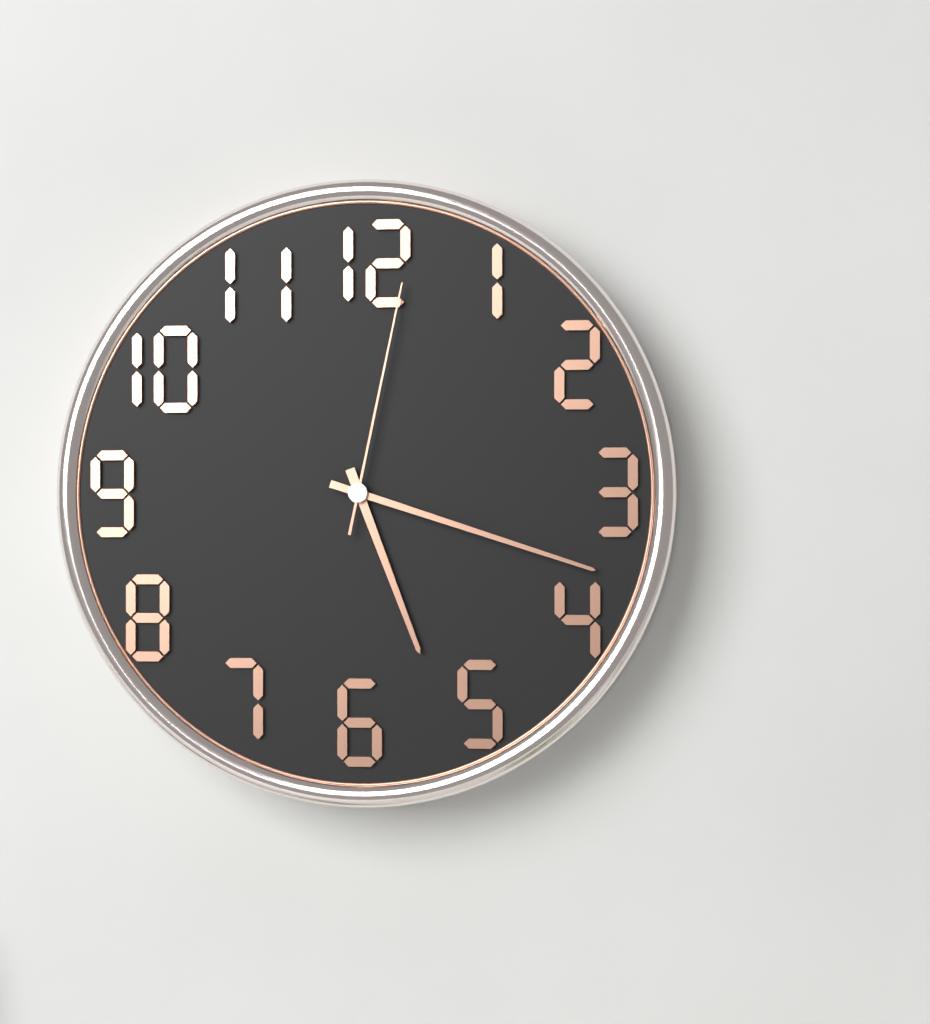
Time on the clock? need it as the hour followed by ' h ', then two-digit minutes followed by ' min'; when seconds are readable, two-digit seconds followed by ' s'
5 h 18 min 02 s
